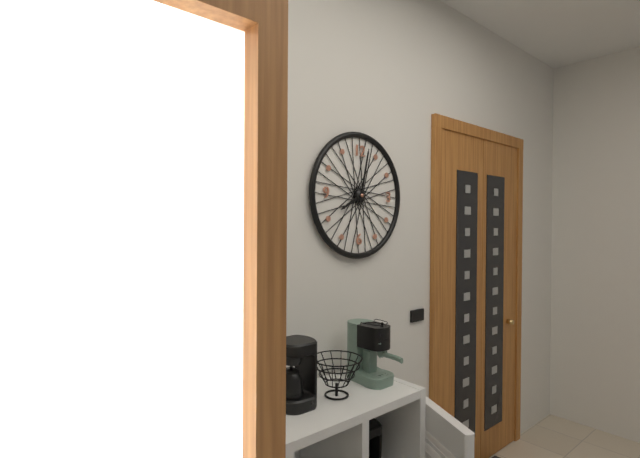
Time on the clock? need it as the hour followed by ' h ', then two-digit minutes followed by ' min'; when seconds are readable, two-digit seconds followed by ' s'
8 h 02 min
